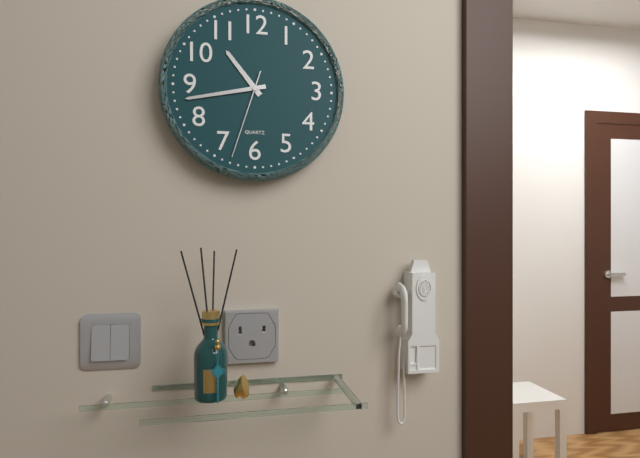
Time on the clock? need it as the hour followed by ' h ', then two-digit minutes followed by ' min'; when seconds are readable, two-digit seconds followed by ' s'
10 h 43 min 33 s
